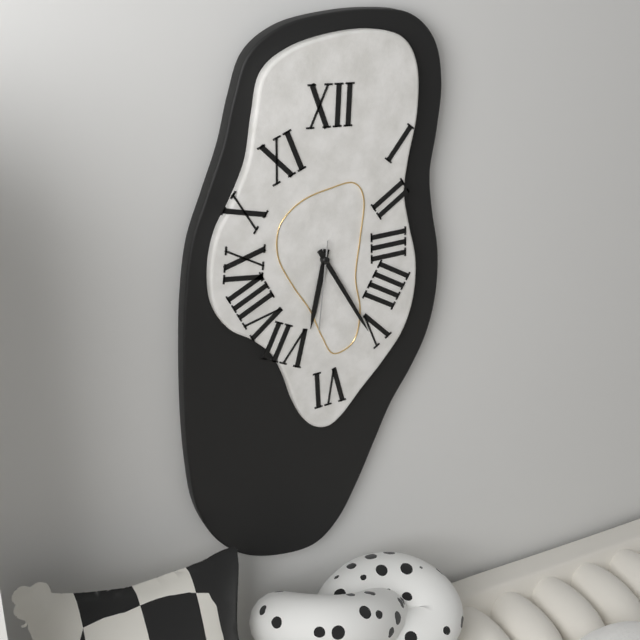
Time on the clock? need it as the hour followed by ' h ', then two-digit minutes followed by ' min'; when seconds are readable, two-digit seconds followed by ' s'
6 h 25 min 31 s
